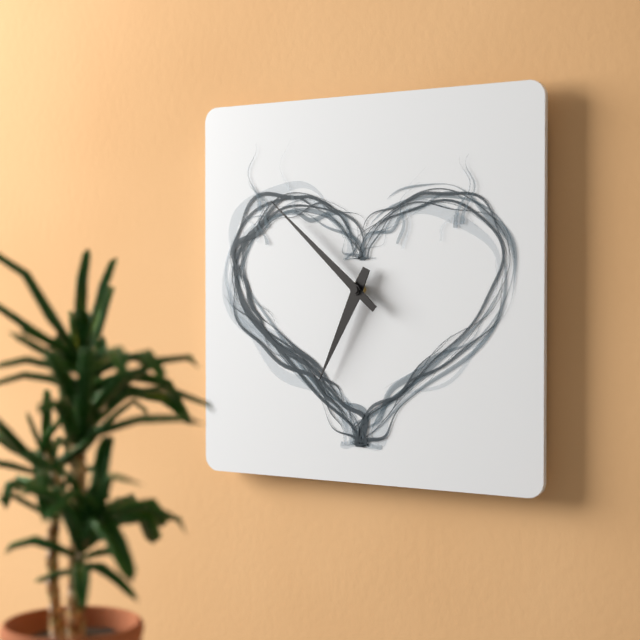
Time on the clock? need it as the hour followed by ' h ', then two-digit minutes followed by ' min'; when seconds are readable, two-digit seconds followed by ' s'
6 h 52 min
